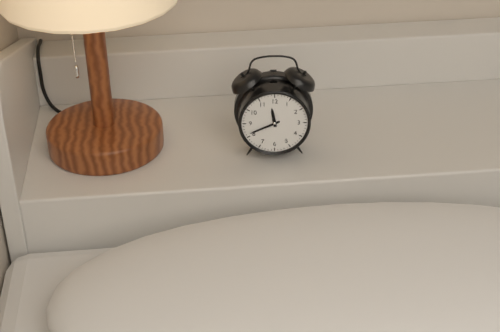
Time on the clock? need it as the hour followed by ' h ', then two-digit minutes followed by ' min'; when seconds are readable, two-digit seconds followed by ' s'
11 h 41 min
